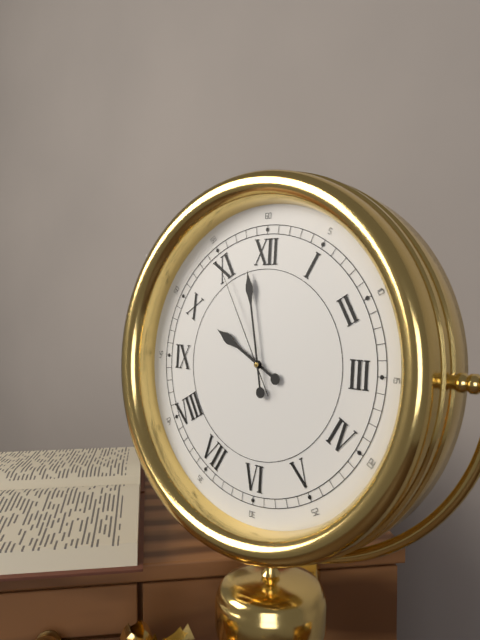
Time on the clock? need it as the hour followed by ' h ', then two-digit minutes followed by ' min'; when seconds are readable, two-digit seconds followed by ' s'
9 h 58 min 55 s
